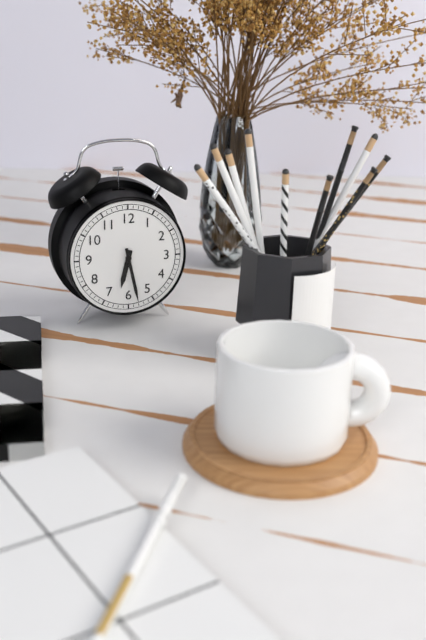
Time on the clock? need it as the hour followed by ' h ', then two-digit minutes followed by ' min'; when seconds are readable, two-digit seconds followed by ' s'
6 h 28 min
